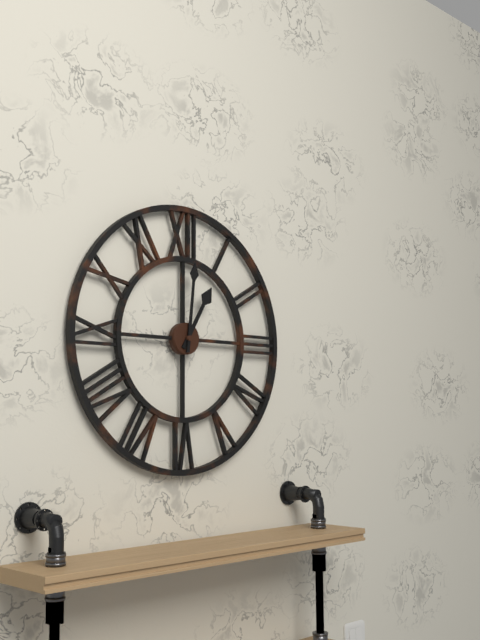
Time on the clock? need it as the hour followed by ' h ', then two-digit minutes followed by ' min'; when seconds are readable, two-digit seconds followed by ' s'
1 h 01 min
